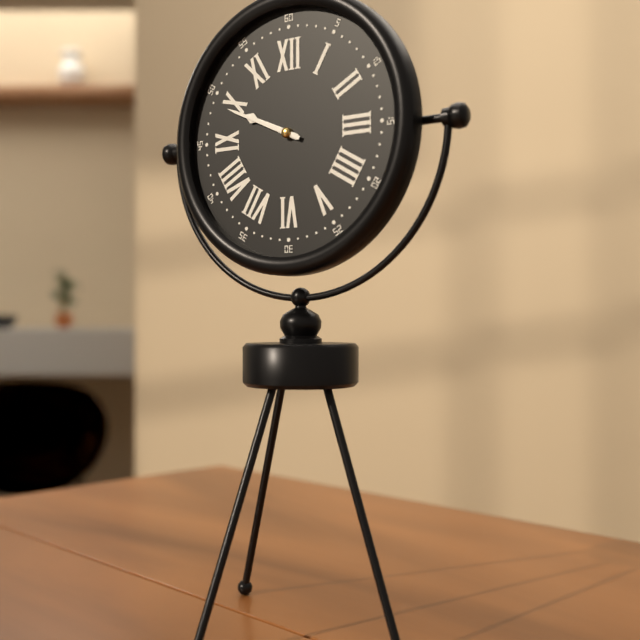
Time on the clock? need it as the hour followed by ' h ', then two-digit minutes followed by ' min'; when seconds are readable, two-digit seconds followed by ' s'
9 h 49 min
